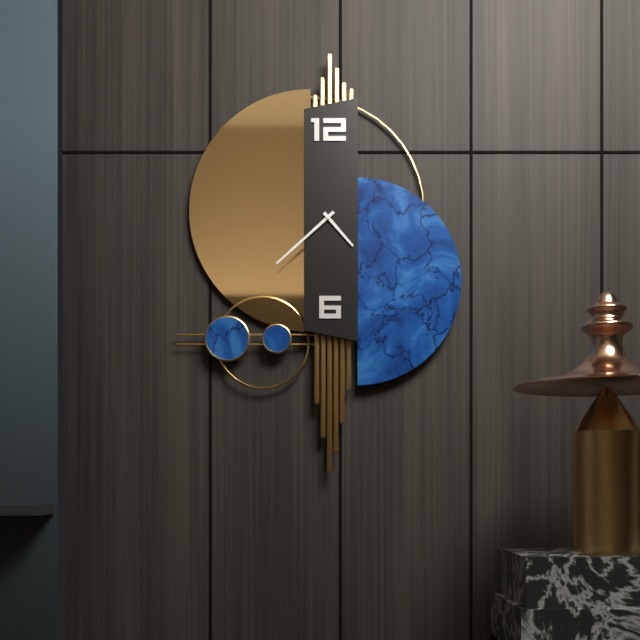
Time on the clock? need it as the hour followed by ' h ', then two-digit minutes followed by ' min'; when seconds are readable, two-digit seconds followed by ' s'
4 h 38 min
